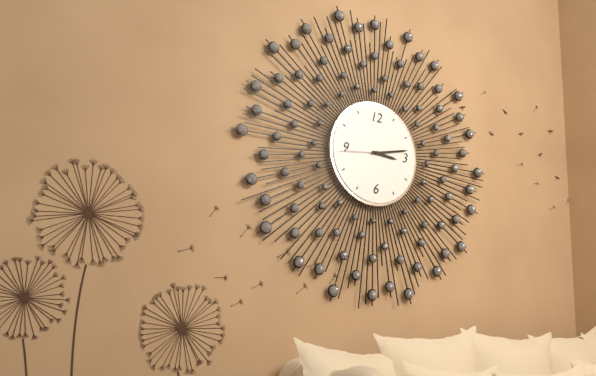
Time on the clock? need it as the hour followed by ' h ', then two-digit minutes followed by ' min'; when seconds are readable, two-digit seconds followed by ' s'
3 h 13 min
